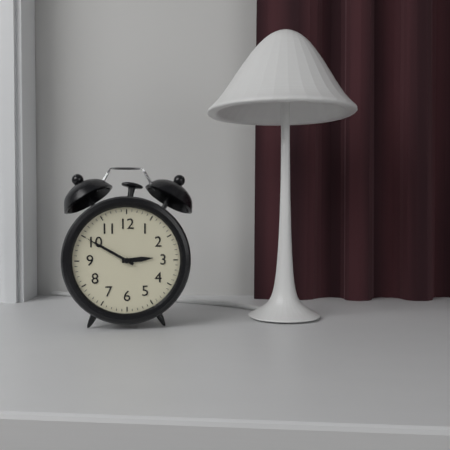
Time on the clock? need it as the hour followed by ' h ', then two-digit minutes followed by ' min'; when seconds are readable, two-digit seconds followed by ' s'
2 h 50 min
